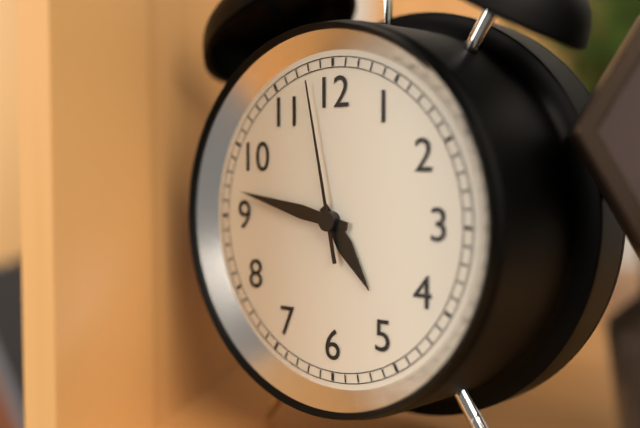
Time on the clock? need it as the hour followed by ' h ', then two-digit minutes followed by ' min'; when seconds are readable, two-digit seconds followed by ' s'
4 h 47 min 58 s
